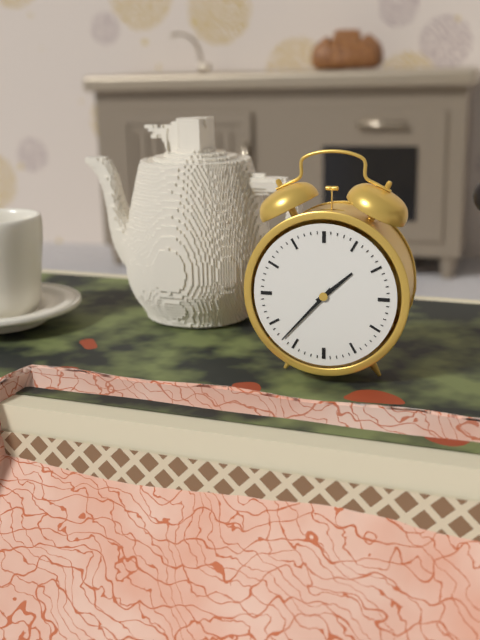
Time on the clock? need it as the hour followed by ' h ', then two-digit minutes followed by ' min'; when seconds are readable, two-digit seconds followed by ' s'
1 h 37 min
